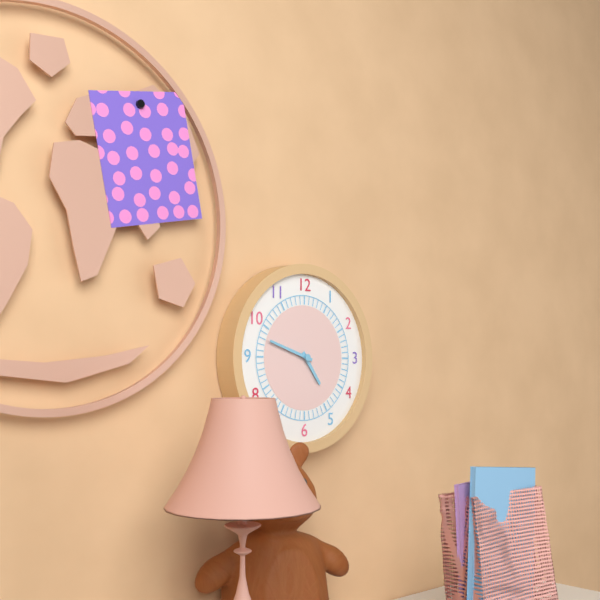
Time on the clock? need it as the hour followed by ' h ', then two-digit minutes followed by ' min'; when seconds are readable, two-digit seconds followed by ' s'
4 h 48 min
